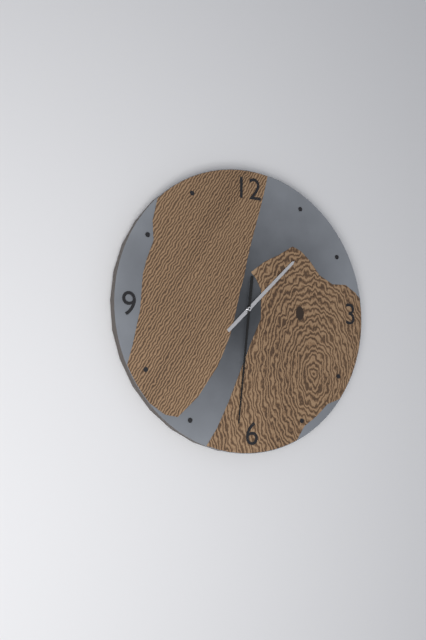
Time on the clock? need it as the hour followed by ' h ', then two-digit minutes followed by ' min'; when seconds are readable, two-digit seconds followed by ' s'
1 h 31 min
